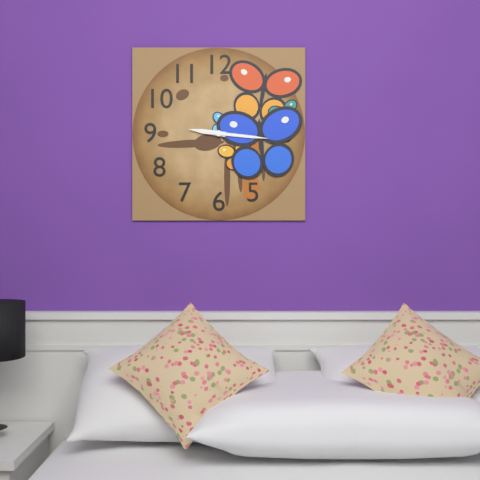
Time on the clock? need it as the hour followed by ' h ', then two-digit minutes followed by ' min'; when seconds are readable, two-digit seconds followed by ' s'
9 h 16 min
